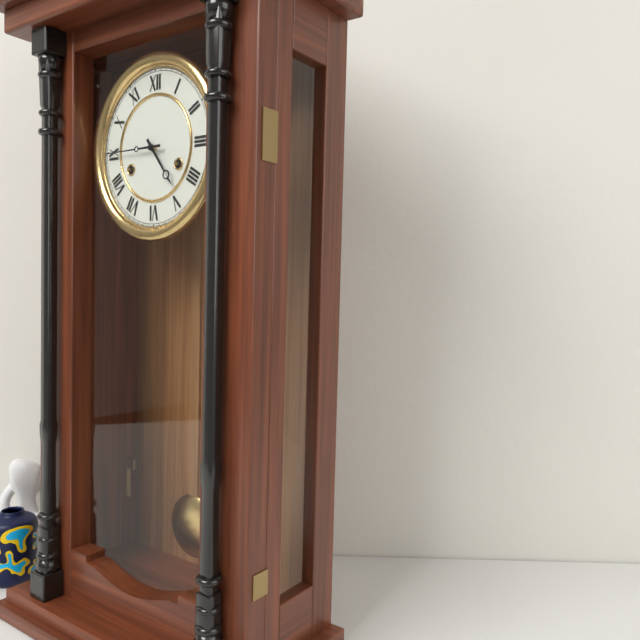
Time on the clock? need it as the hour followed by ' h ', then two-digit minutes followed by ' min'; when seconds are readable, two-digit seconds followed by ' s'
4 h 45 min
